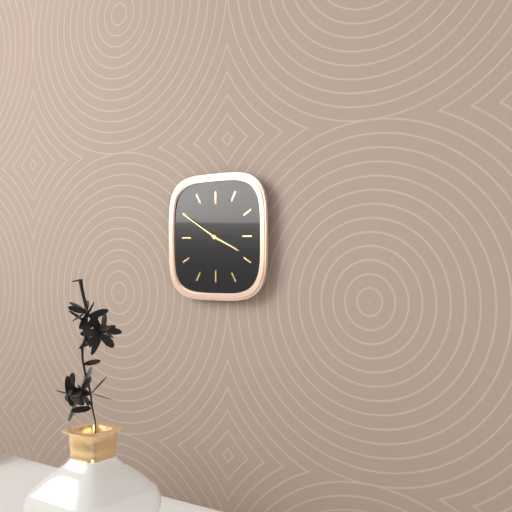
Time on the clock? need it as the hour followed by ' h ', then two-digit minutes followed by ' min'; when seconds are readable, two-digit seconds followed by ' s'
3 h 50 min
